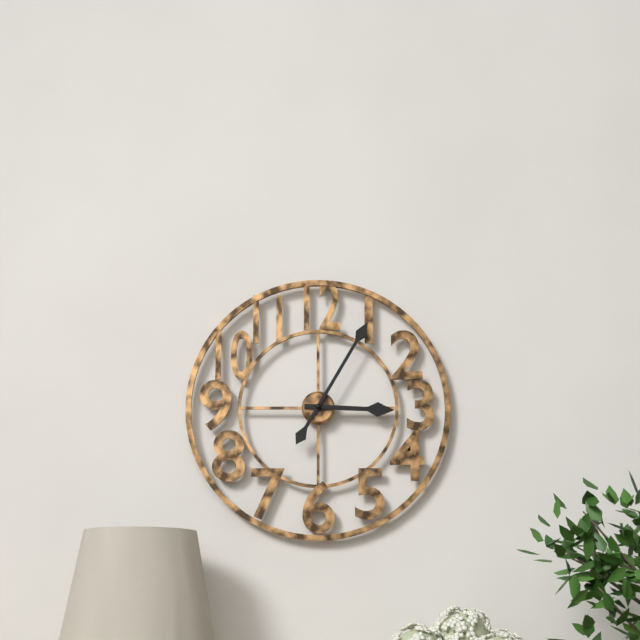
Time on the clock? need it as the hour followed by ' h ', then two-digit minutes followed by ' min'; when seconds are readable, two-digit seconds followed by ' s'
3 h 05 min
